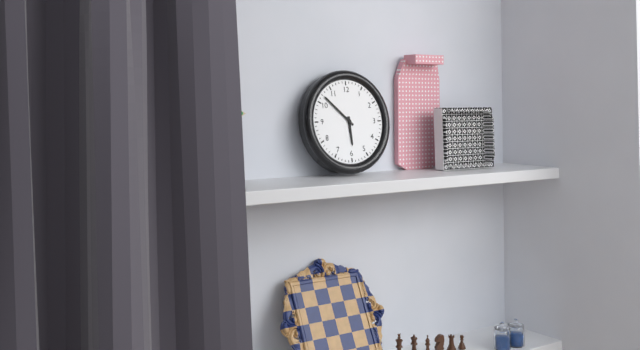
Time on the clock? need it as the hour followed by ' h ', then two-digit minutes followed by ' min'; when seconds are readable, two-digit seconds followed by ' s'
5 h 52 min
